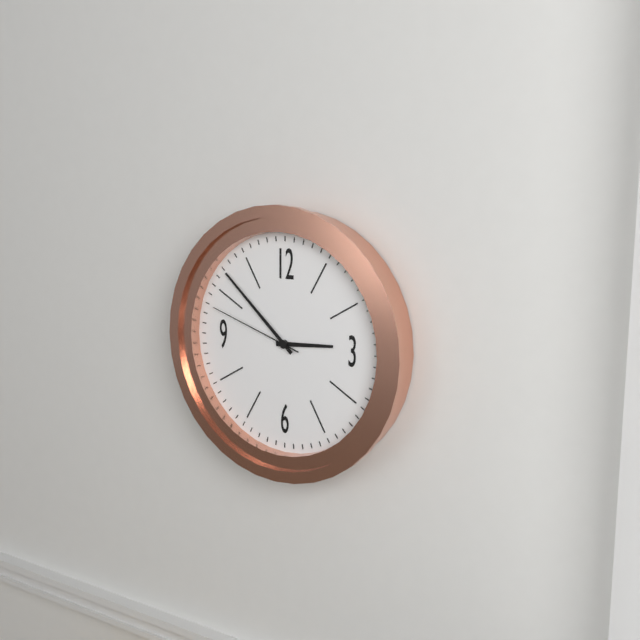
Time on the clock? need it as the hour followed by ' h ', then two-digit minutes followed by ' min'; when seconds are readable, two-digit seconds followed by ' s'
2 h 52 min 48 s
